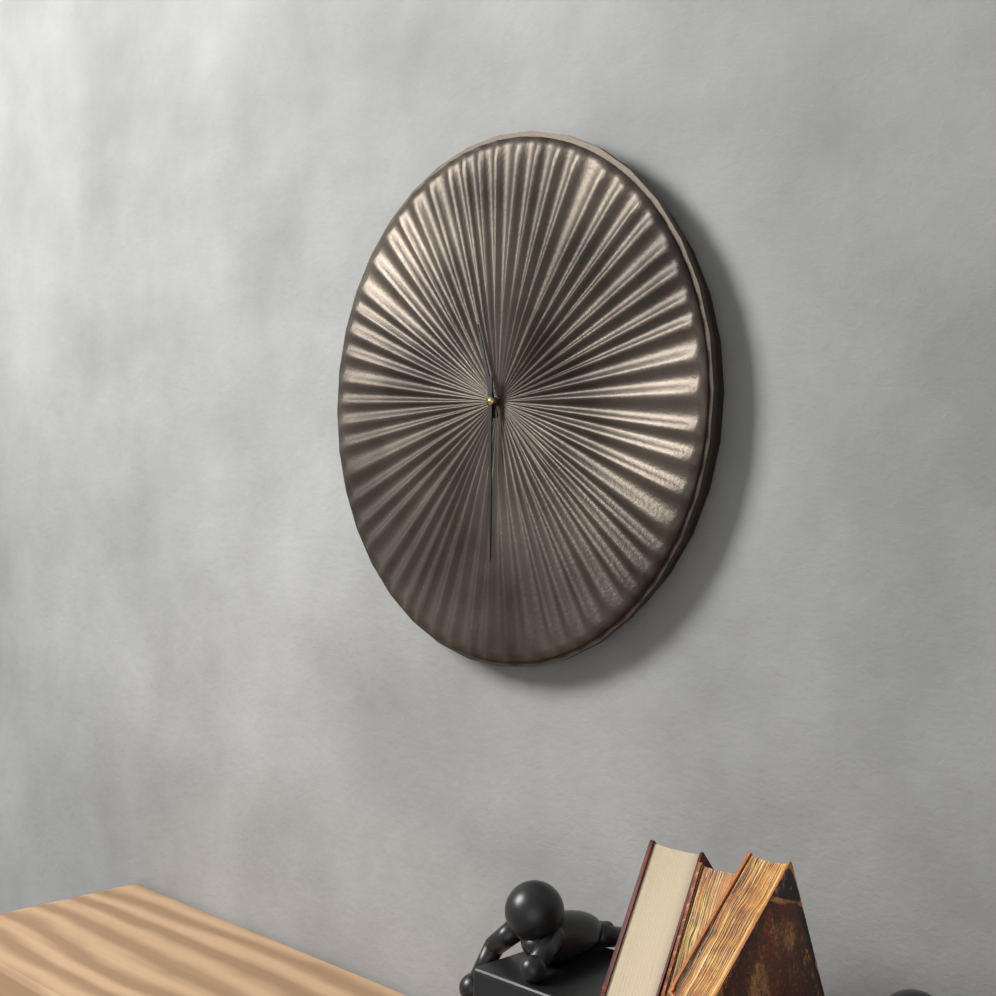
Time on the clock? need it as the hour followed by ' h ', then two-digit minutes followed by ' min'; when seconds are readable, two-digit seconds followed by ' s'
11 h 30 min
